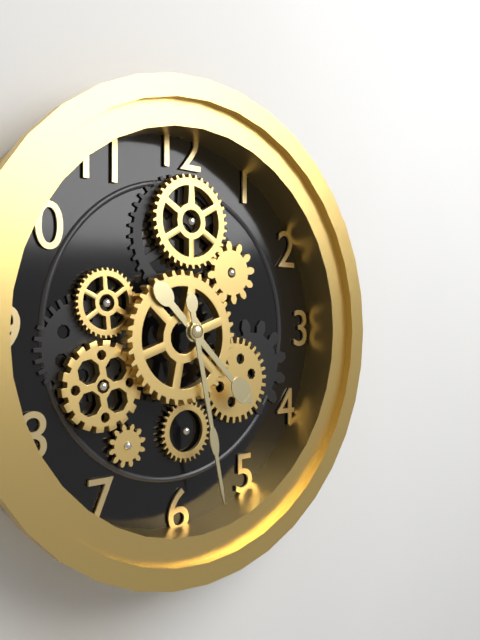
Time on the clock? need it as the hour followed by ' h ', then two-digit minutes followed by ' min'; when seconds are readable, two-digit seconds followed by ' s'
4 h 28 min
